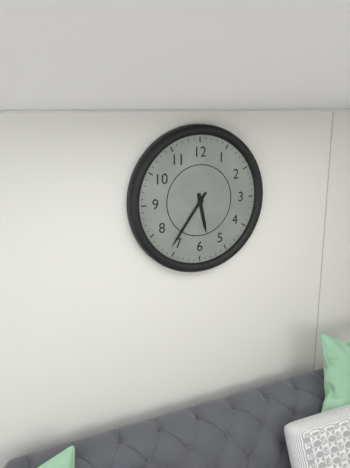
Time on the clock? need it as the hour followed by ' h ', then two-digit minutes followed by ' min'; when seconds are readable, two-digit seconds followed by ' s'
5 h 36 min
